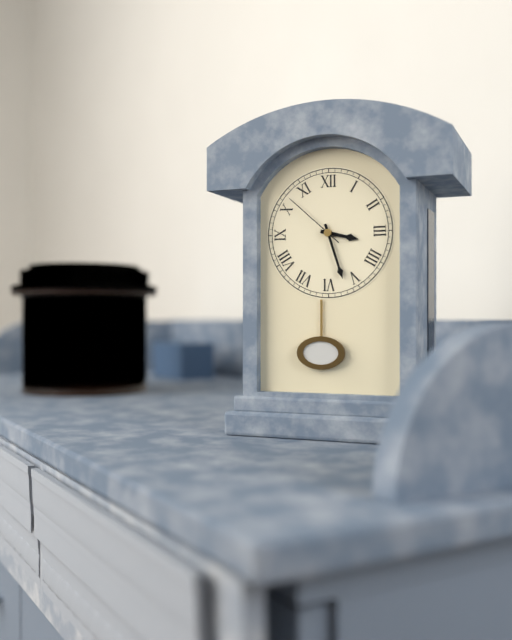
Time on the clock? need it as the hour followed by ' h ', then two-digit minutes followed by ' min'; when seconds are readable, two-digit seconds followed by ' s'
3 h 27 min 52 s
